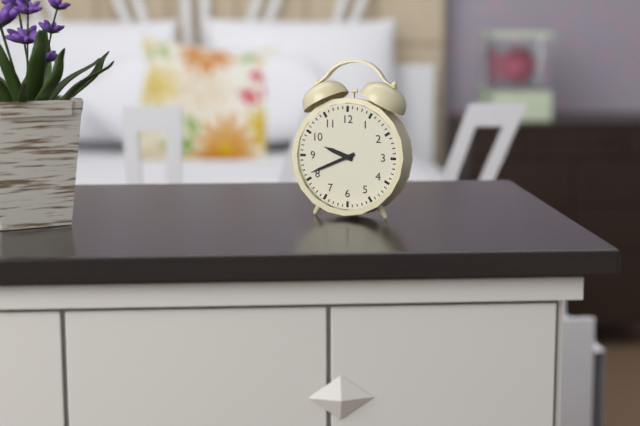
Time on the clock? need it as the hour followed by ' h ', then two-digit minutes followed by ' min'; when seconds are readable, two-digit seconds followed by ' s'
9 h 41 min
